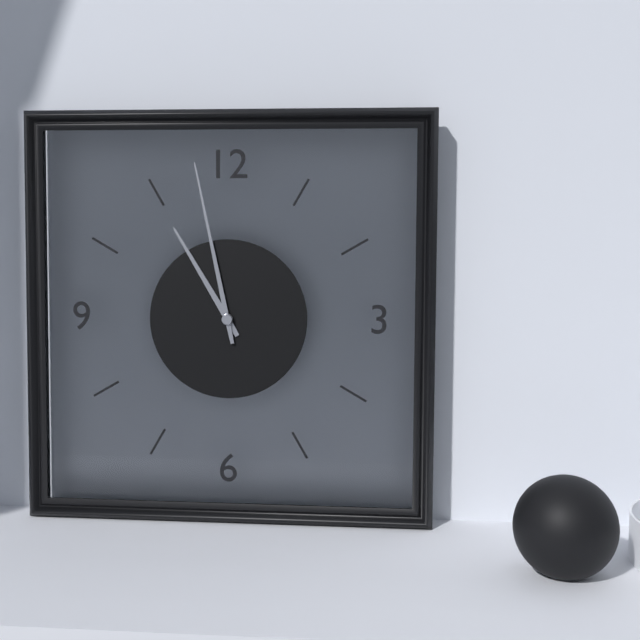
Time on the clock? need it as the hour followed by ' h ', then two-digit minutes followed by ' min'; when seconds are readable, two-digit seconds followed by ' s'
10 h 58 min
